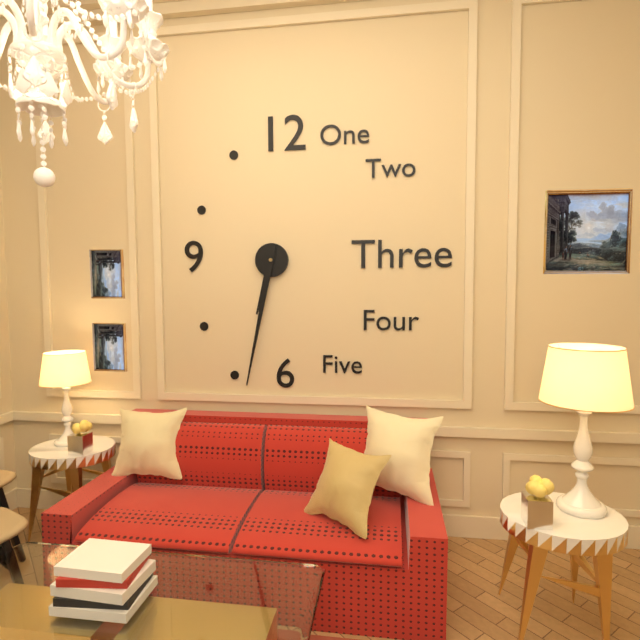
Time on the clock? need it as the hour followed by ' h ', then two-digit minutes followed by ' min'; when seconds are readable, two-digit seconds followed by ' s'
6 h 32 min
